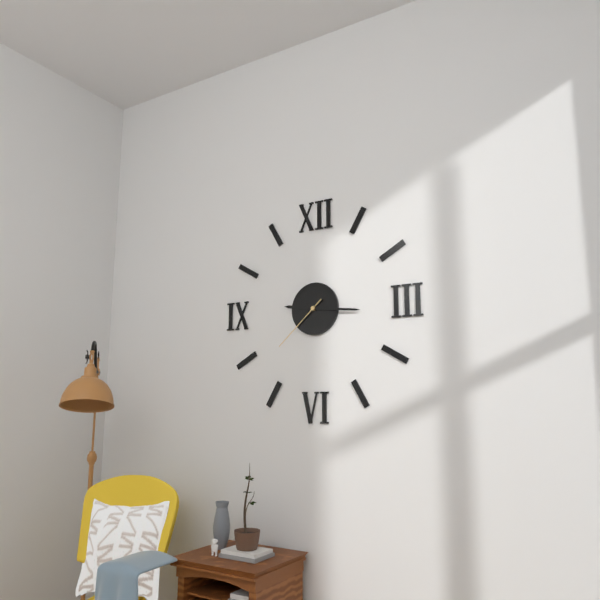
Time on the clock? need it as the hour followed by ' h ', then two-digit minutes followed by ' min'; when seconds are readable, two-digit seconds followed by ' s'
9 h 16 min 38 s
